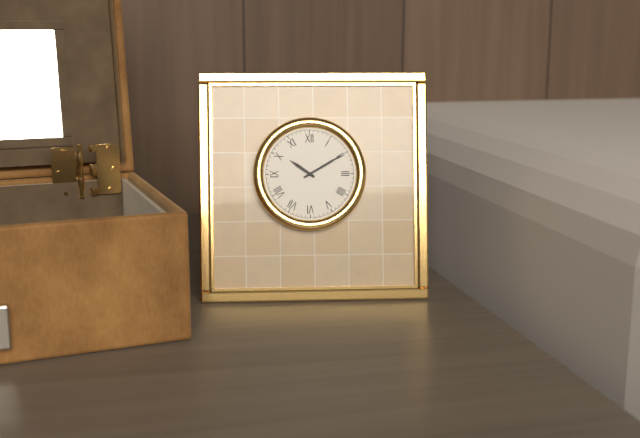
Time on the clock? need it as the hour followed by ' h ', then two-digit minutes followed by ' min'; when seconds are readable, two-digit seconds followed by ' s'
10 h 10 min
